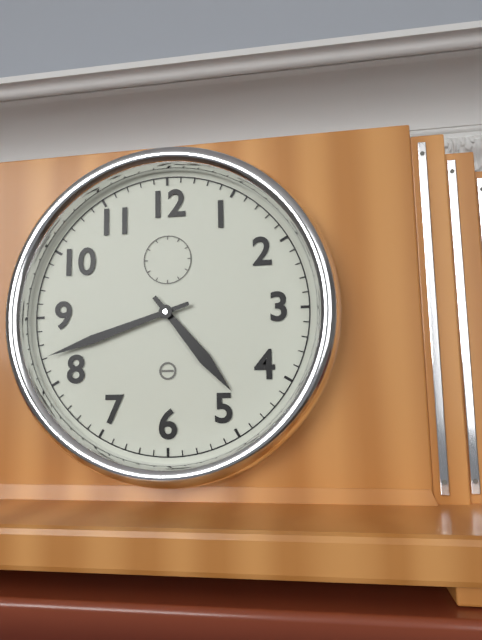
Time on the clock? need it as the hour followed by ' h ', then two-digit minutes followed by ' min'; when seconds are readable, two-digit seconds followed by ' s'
4 h 42 min
